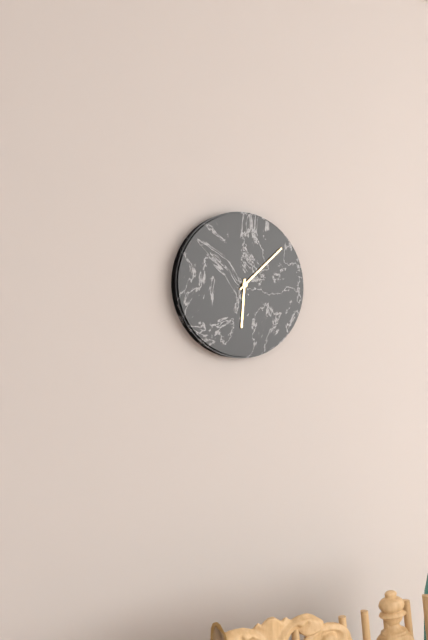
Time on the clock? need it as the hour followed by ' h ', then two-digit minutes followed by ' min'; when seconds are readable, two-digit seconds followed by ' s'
6 h 08 min
